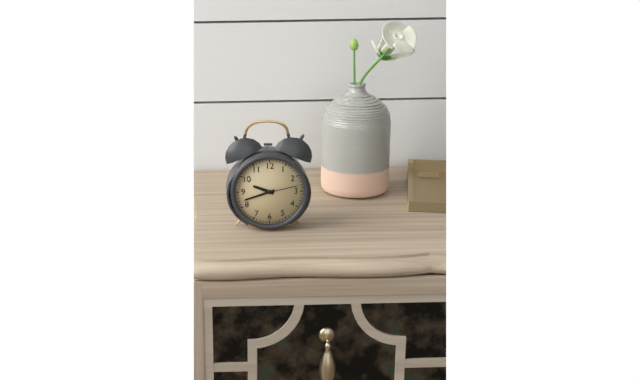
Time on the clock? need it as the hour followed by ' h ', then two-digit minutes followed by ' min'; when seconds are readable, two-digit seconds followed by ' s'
9 h 42 min
